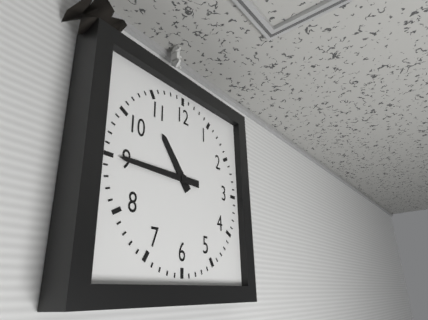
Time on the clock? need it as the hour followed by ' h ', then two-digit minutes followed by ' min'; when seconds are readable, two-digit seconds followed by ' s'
10 h 45 min
